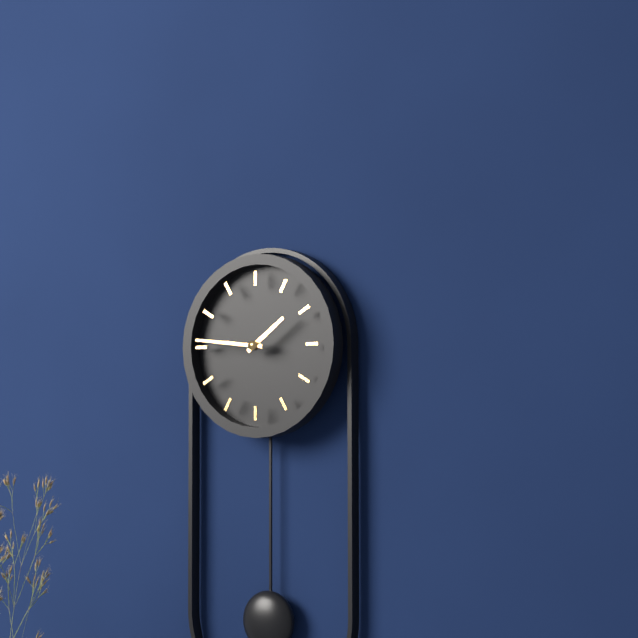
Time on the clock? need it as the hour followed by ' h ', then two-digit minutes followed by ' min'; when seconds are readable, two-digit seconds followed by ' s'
1 h 46 min
